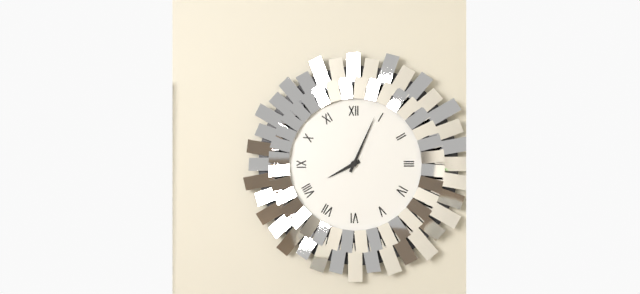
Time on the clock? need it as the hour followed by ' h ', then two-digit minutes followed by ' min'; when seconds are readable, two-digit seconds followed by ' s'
8 h 04 min
